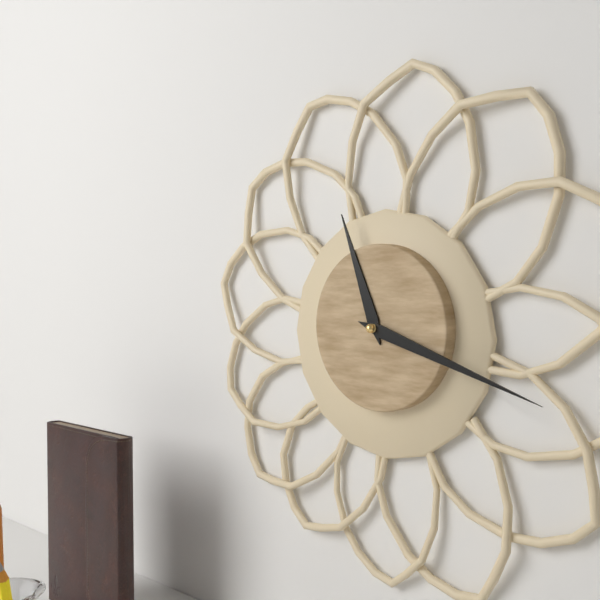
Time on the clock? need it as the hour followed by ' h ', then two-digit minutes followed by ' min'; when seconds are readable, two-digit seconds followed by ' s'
11 h 18 min
